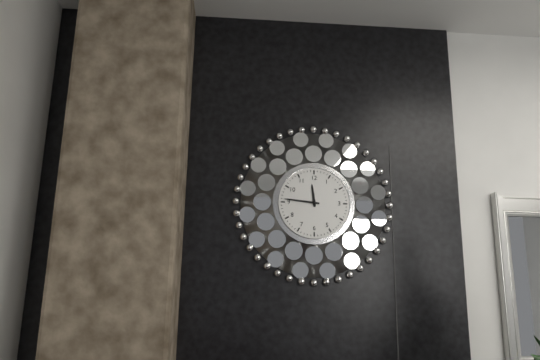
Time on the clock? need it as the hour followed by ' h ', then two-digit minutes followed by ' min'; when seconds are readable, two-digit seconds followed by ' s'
11 h 46 min
